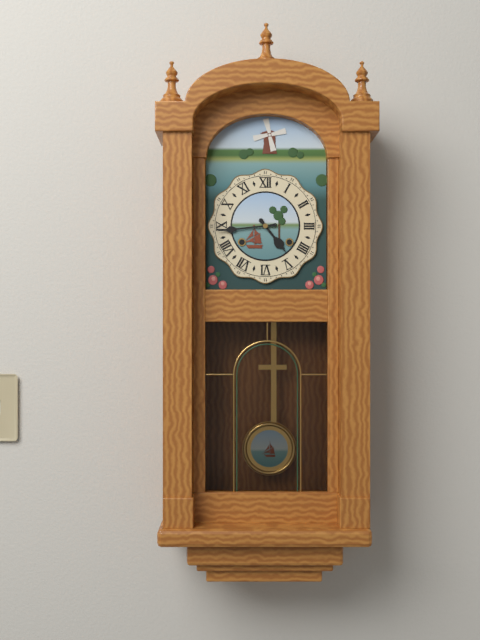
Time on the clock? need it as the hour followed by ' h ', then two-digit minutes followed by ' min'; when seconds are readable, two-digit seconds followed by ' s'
4 h 44 min
